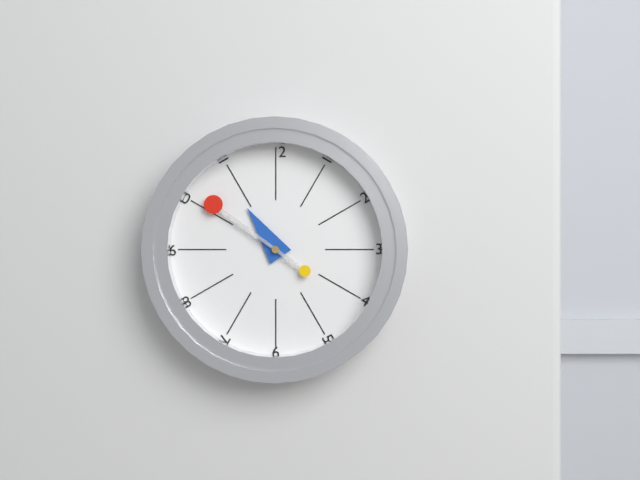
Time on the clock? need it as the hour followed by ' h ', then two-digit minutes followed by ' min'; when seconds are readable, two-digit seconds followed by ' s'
10 h 51 min
